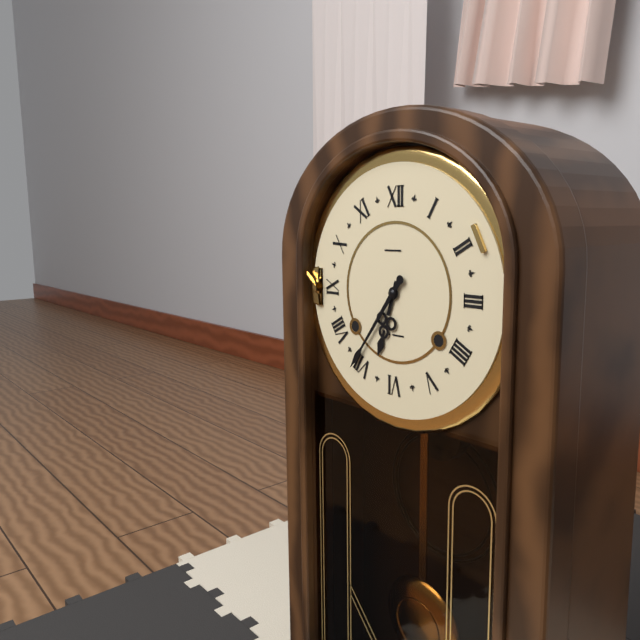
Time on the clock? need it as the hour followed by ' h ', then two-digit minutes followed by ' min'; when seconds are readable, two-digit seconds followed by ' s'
6 h 36 min
